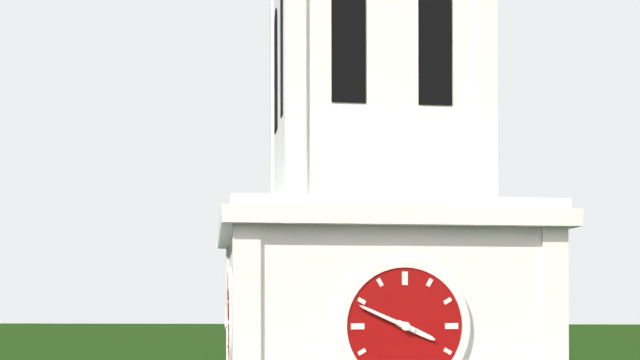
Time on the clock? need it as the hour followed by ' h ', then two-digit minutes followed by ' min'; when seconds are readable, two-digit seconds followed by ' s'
3 h 49 min
